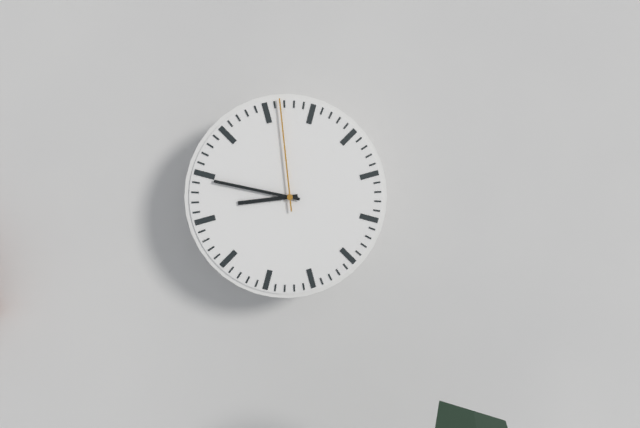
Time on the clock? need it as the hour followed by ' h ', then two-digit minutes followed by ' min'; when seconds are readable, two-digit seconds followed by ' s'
8 h 47 min 59 s
